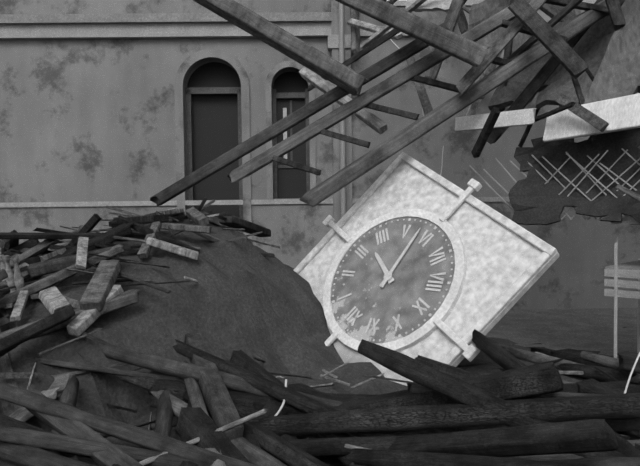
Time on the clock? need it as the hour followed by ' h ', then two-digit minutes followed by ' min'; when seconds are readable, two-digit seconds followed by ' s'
3 h 28 min
